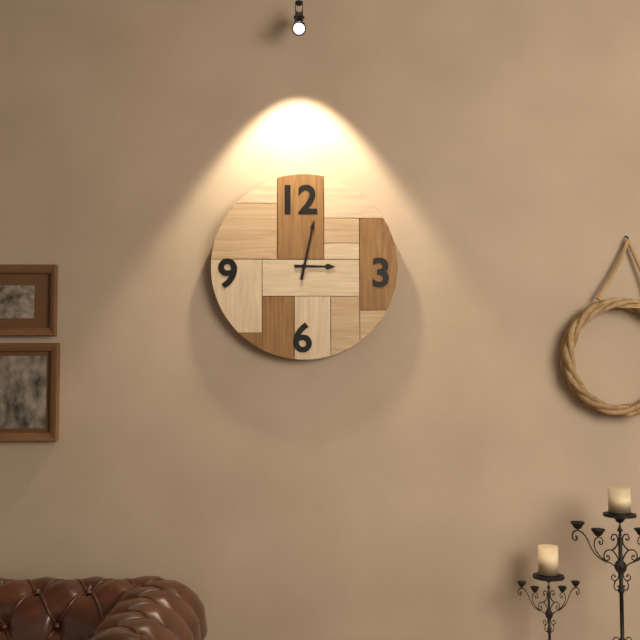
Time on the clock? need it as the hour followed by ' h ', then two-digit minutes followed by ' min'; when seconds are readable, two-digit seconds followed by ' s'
3 h 02 min
